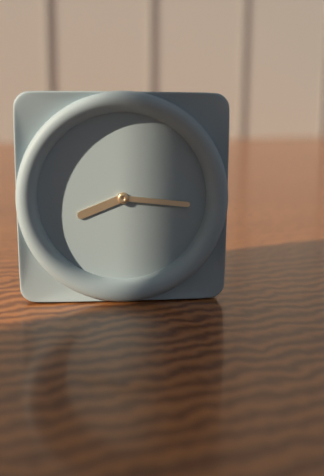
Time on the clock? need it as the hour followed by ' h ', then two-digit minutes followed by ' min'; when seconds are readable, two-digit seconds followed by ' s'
8 h 16 min
